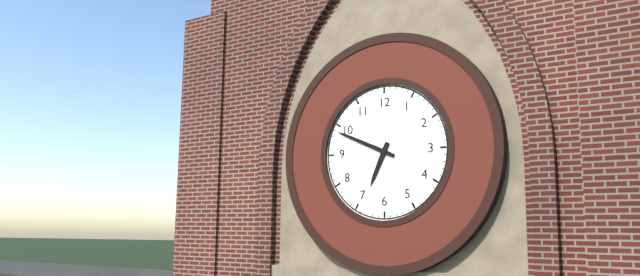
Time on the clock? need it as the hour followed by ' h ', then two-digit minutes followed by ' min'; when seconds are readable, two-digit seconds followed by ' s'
6 h 49 min
